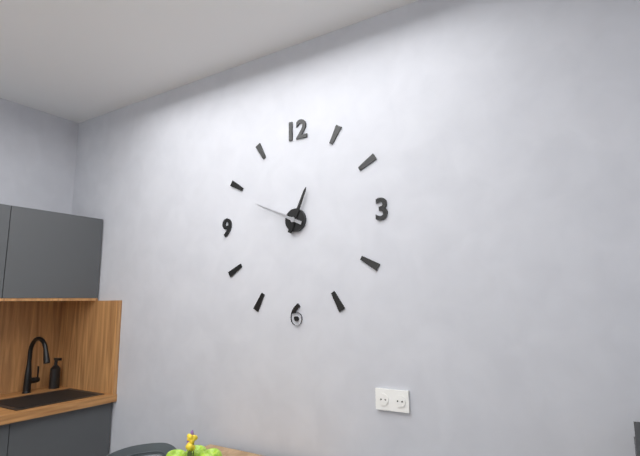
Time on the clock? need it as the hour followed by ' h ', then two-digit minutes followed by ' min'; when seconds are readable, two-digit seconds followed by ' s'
12 h 49 min
